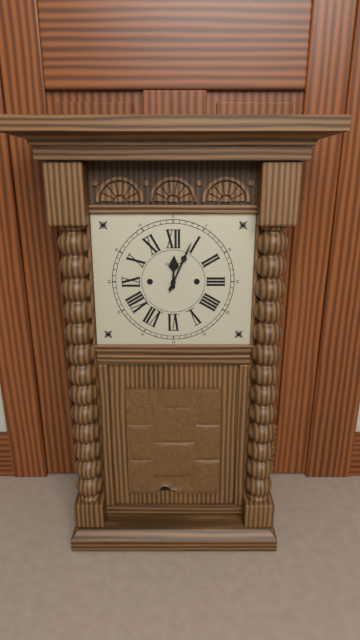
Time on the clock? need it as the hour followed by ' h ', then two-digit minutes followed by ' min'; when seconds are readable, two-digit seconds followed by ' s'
12 h 04 min
